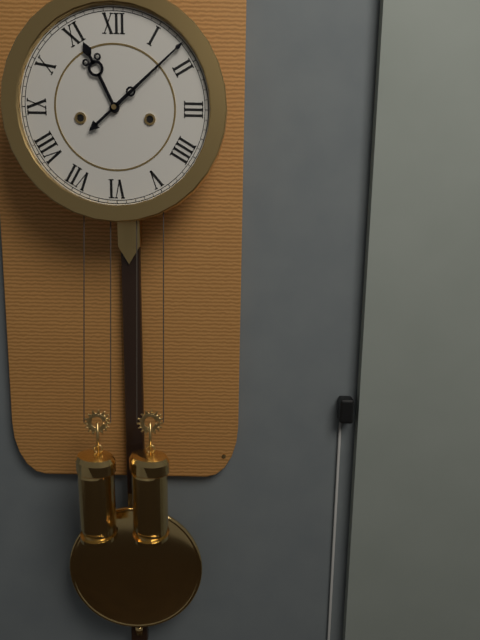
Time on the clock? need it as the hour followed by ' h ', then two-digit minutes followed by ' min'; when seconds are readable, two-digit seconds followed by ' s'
11 h 08 min
